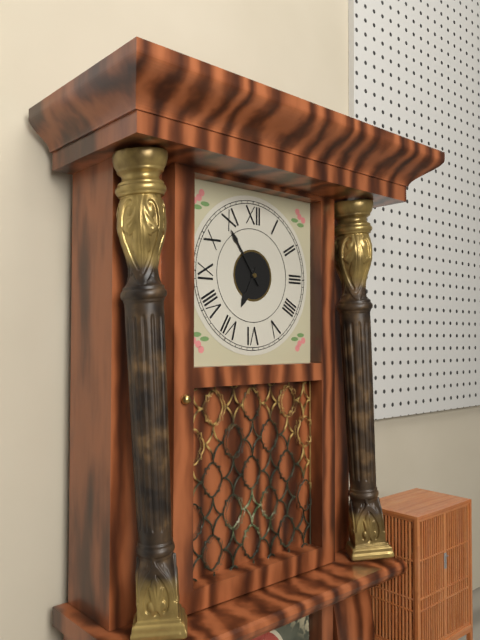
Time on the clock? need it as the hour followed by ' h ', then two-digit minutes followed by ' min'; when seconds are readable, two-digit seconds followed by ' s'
6 h 54 min
